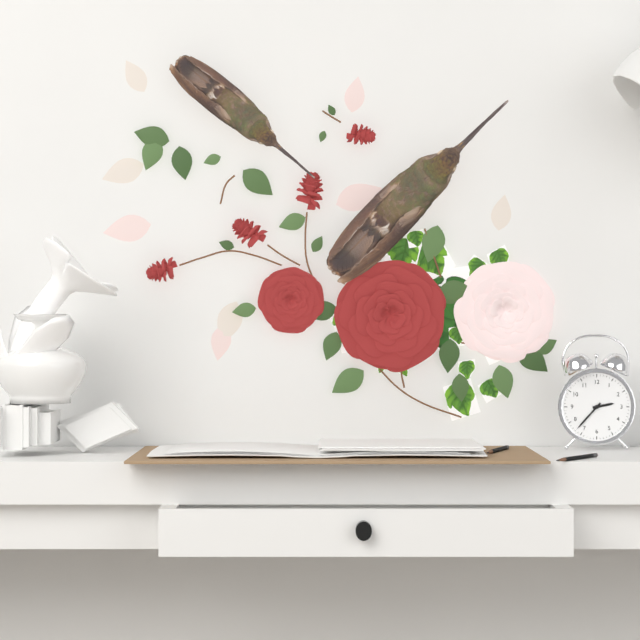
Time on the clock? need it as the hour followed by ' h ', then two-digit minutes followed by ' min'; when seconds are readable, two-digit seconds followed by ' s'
2 h 37 min
